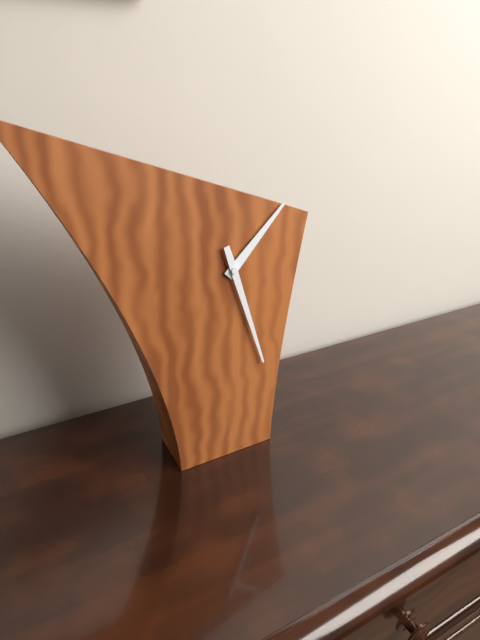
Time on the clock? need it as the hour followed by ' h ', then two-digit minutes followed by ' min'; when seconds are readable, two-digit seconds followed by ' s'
1 h 27 min
